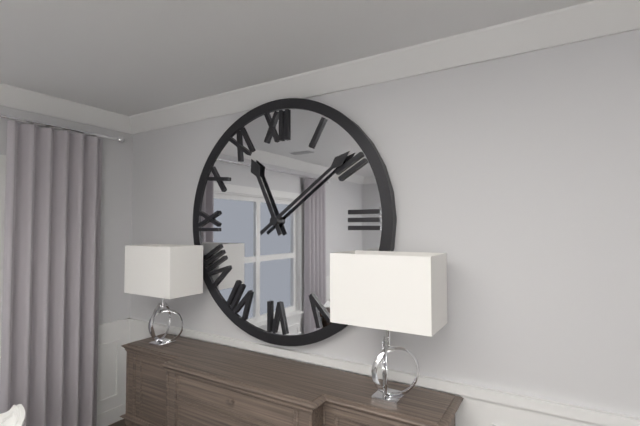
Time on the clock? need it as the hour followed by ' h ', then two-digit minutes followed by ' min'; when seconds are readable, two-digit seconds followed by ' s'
11 h 09 min
